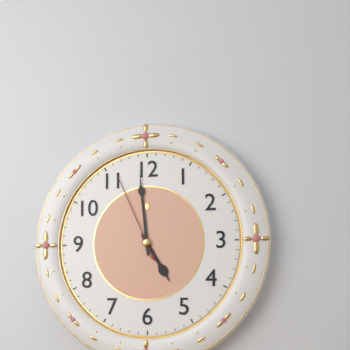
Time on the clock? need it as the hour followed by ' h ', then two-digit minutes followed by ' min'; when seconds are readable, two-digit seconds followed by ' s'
4 h 59 min 56 s
